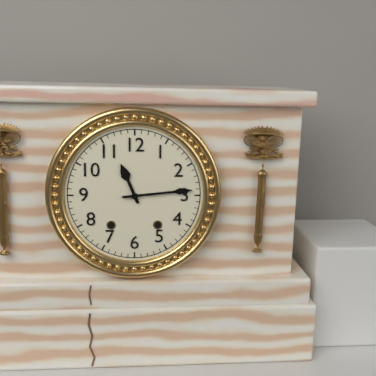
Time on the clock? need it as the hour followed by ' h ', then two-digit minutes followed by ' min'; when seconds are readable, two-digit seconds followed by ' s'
11 h 14 min
